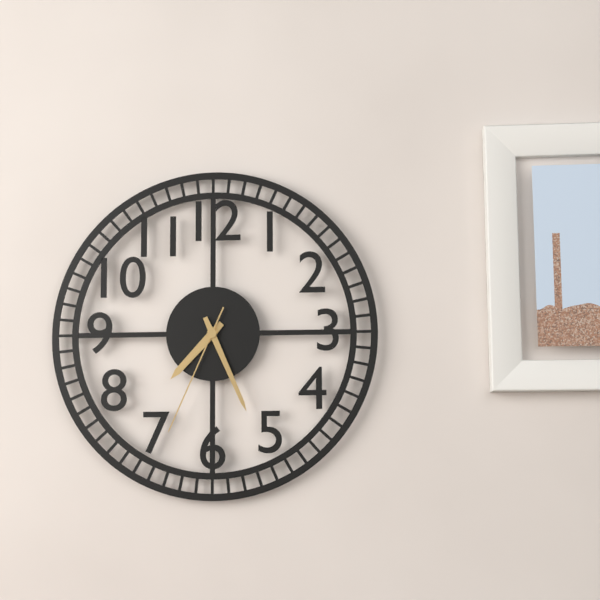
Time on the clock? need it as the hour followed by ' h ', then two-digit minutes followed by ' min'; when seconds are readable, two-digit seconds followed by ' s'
7 h 26 min 34 s
